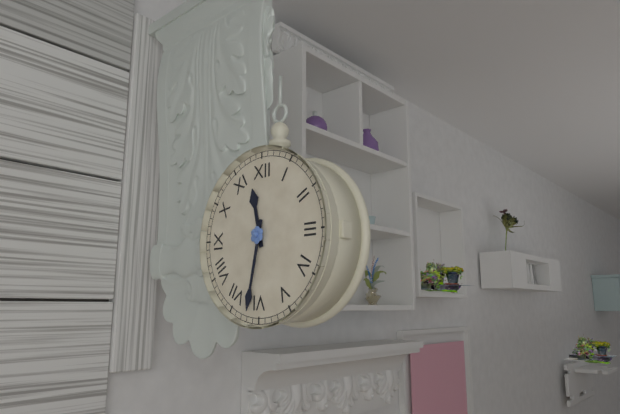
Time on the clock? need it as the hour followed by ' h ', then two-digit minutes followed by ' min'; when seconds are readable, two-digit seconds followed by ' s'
11 h 32 min
